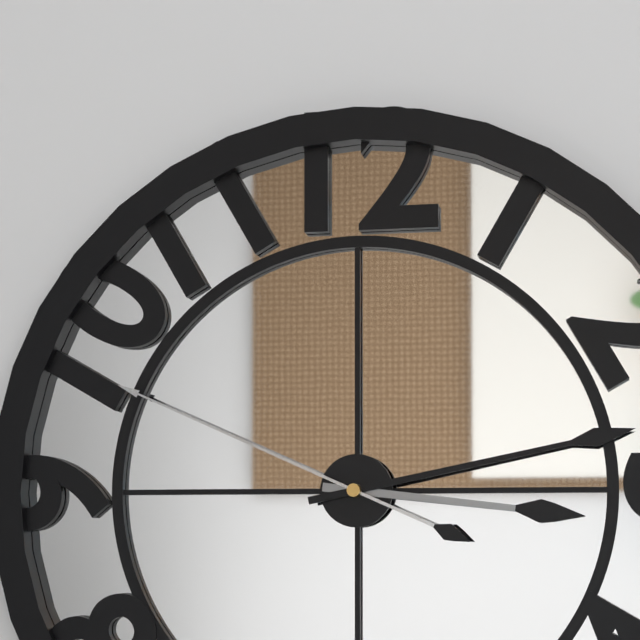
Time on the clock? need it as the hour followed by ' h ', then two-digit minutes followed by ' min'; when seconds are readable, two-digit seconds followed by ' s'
3 h 13 min 49 s
